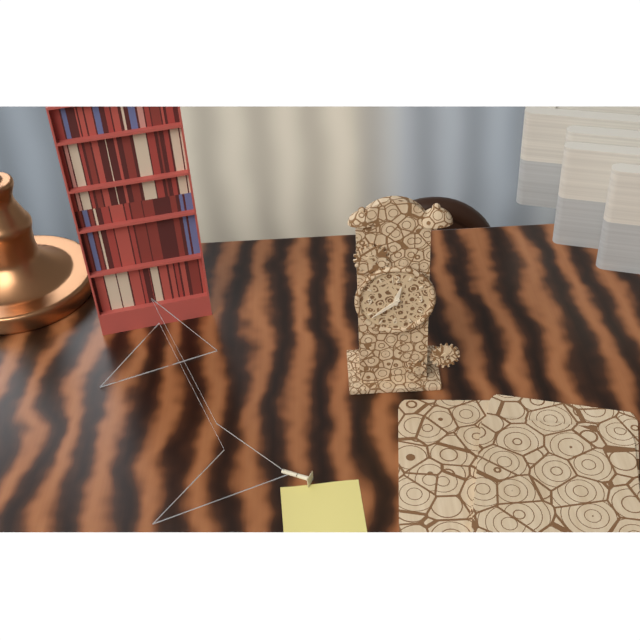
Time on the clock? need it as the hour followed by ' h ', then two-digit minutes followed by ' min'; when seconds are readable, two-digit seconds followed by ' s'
12 h 39 min
